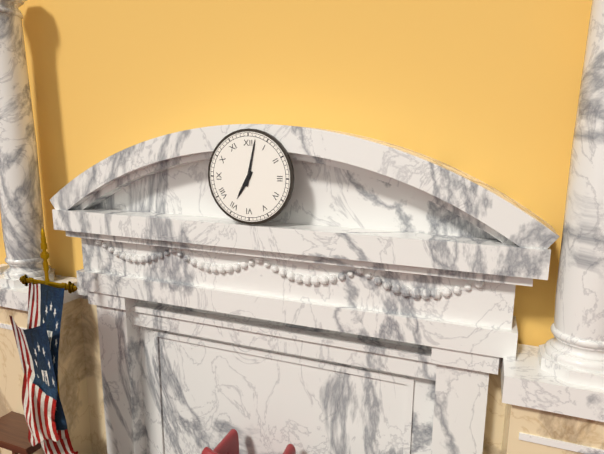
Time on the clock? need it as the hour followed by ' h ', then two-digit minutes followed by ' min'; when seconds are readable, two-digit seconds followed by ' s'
7 h 02 min
